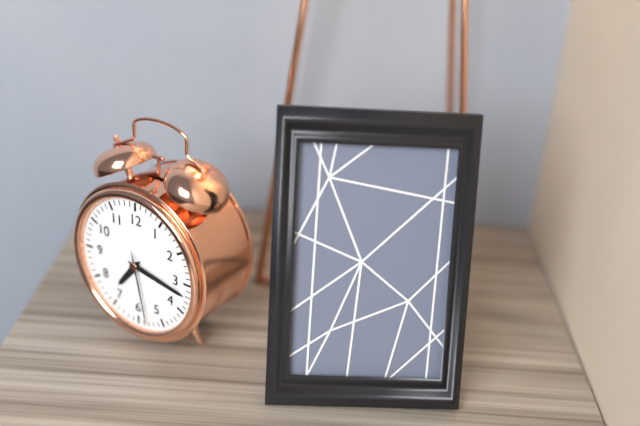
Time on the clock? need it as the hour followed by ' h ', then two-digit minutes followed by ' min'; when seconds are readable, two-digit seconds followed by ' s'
7 h 17 min 28 s
